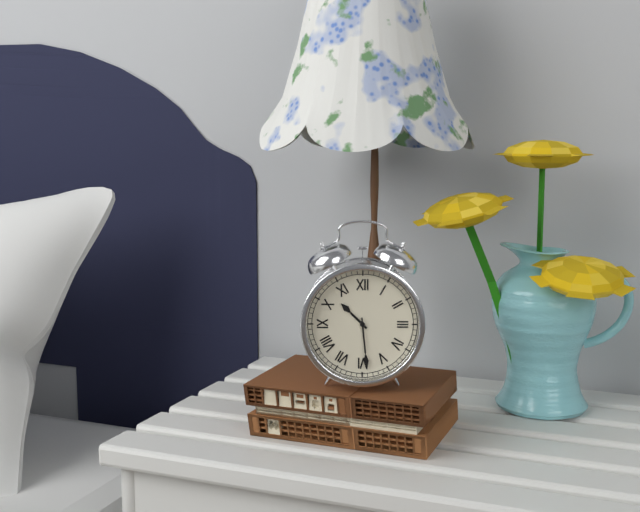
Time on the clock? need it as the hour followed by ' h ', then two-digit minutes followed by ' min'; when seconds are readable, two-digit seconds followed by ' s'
10 h 29 min
